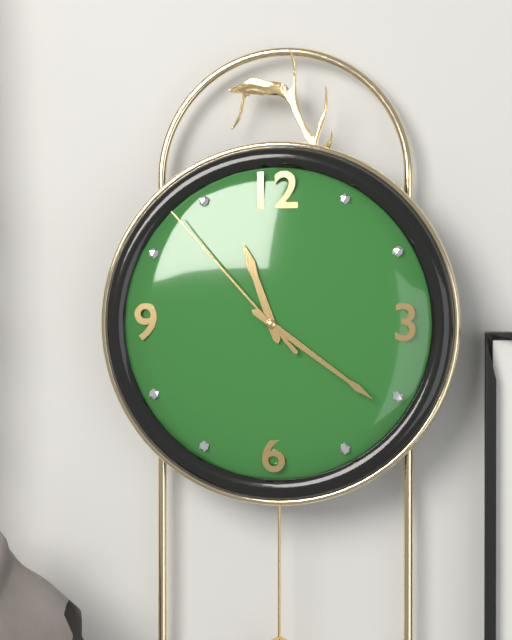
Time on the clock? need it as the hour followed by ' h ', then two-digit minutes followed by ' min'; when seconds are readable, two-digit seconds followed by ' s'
11 h 21 min 53 s
